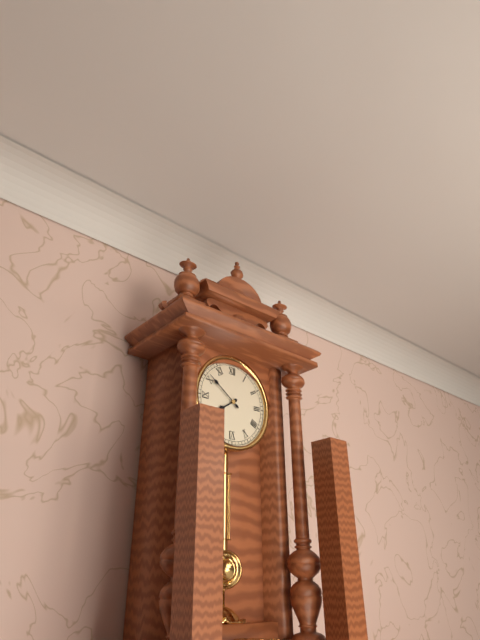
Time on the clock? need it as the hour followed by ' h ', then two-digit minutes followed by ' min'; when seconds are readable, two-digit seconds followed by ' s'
7 h 51 min
